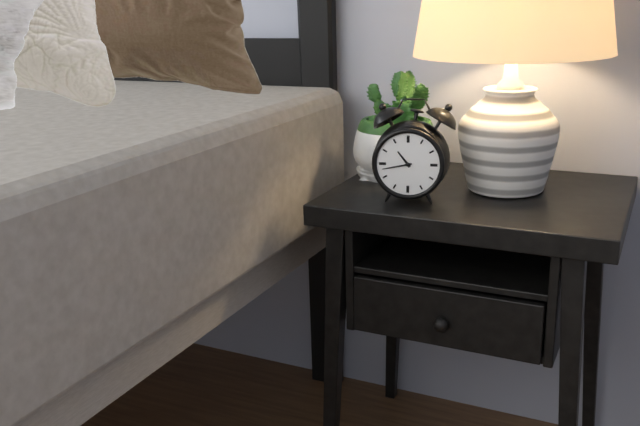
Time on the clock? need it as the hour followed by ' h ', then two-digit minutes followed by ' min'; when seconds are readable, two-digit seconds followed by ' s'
10 h 43 min
